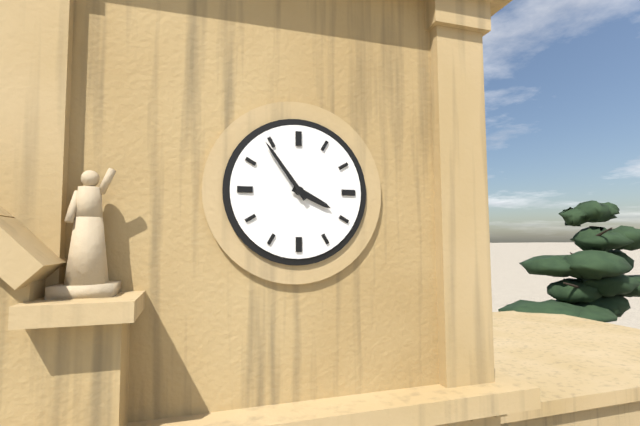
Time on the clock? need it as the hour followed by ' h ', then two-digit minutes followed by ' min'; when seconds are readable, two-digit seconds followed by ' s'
3 h 54 min
